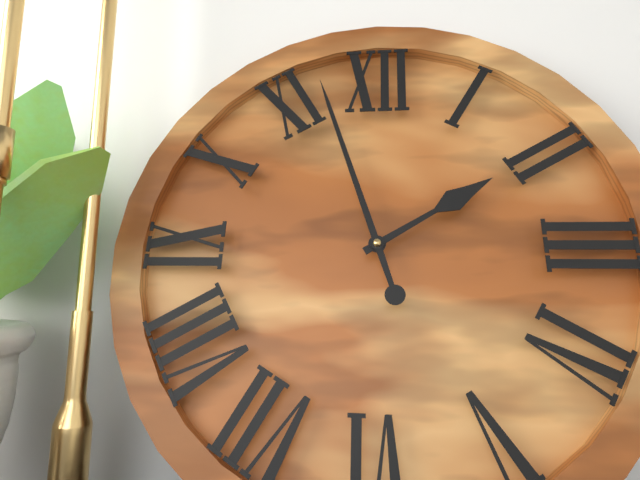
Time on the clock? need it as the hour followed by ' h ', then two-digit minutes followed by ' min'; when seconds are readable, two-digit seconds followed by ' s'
1 h 57 min
